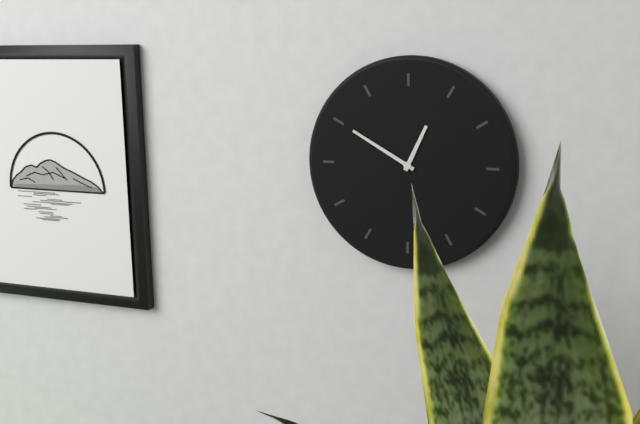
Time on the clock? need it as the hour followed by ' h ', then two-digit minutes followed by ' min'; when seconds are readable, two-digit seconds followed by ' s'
12 h 50 min
